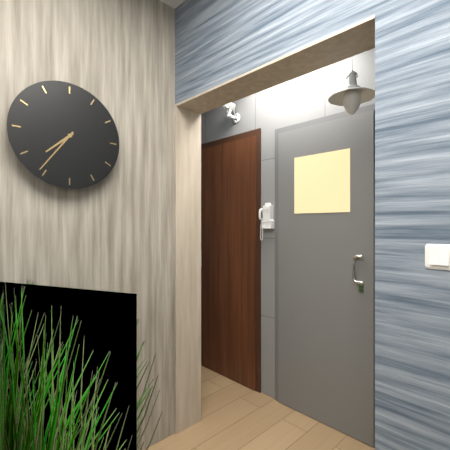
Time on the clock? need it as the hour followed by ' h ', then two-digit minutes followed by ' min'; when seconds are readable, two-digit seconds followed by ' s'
7 h 36 min
